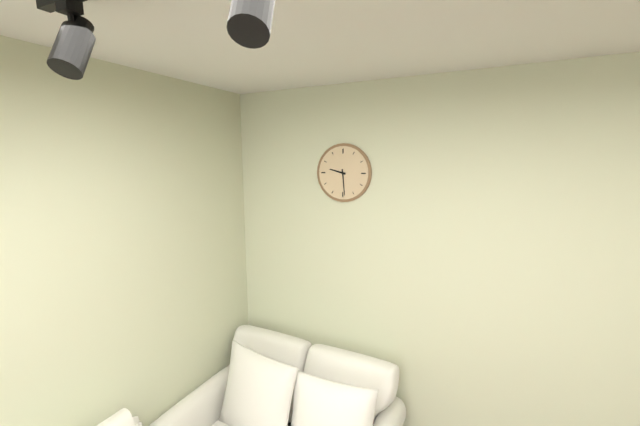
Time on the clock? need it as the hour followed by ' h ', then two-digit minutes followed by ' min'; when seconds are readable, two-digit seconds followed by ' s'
9 h 29 min
